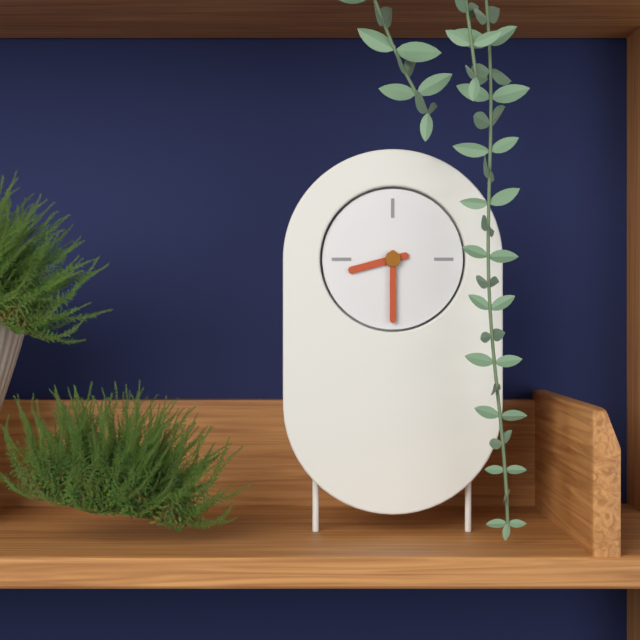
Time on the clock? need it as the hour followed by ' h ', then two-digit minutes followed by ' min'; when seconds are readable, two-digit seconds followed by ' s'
8 h 30 min
